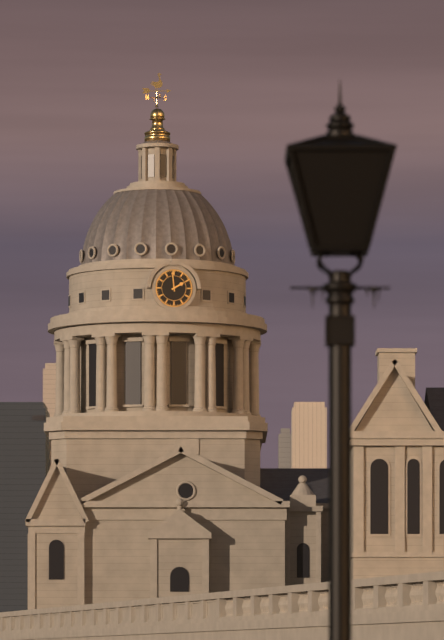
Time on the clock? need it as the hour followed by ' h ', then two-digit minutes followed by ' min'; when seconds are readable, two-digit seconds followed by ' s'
1 h 59 min
